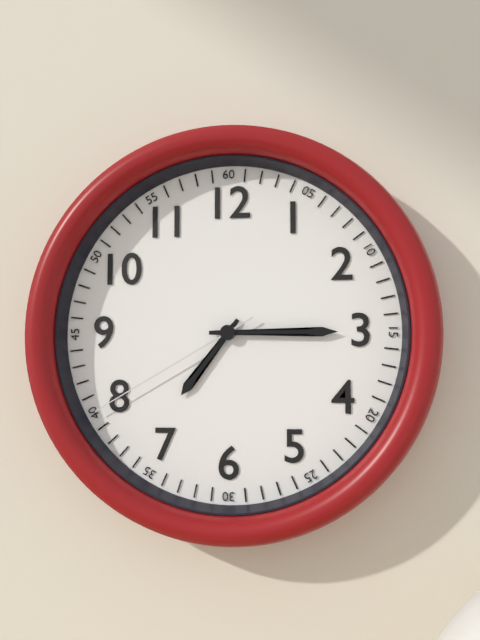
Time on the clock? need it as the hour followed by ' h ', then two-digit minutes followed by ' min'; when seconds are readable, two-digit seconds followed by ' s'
7 h 15 min 40 s
